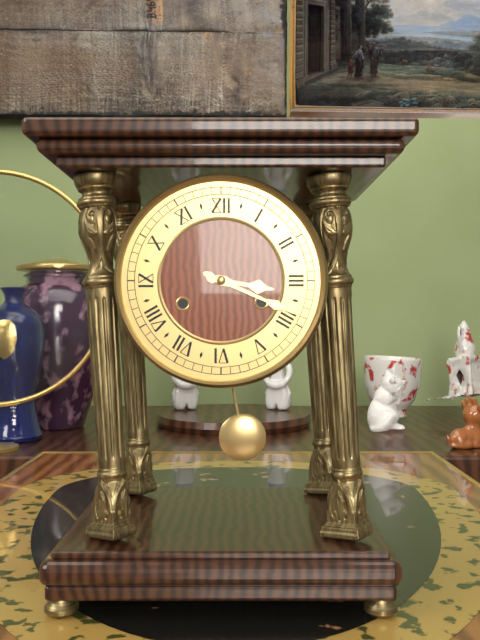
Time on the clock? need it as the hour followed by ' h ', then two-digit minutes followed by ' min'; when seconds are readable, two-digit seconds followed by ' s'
3 h 19 min
